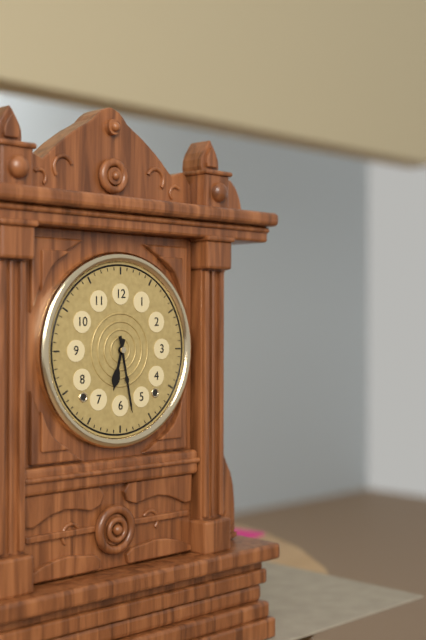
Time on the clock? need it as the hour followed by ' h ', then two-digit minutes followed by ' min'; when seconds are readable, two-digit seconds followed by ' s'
6 h 28 min
